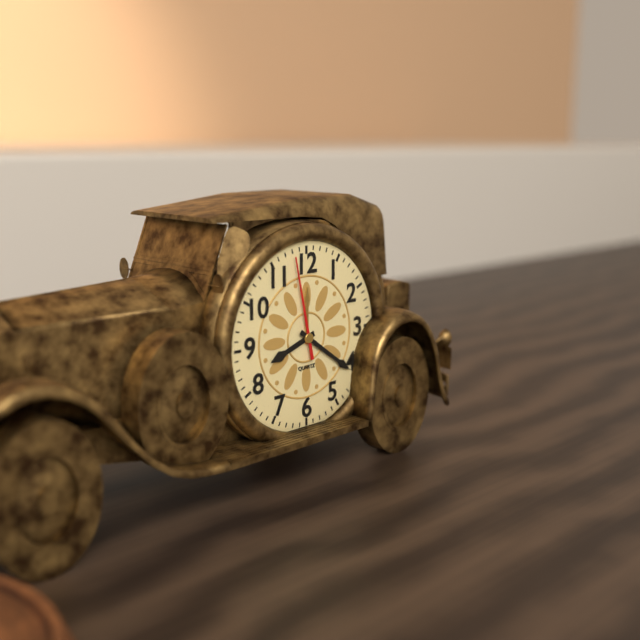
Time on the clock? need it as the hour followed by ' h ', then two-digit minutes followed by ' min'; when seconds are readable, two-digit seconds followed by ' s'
8 h 21 min 58 s
